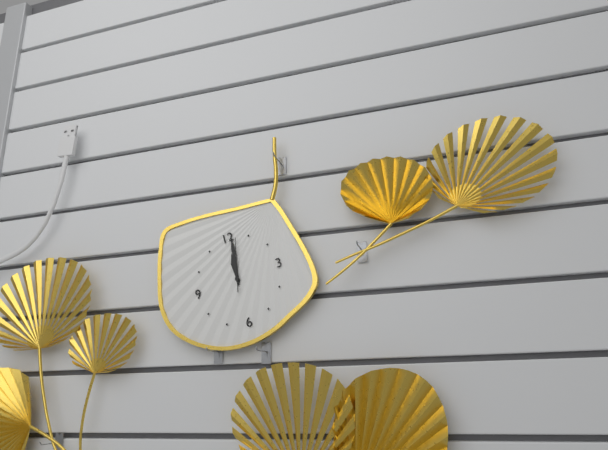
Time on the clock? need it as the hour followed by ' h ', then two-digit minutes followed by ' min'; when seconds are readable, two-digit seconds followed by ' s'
12 h 01 min 02 s
